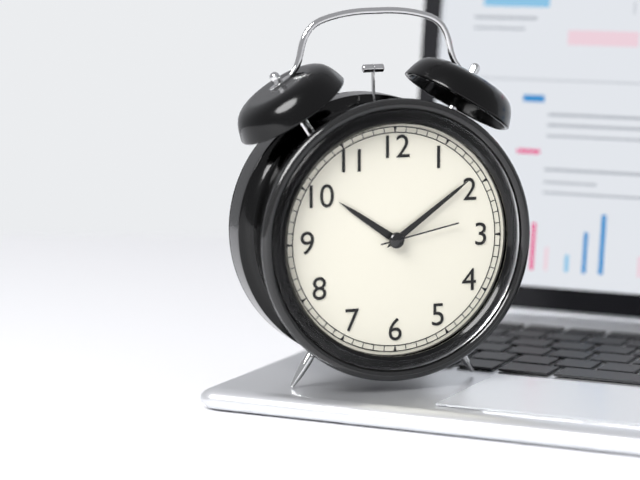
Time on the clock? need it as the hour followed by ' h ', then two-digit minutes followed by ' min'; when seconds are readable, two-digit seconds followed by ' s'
10 h 09 min 13 s
